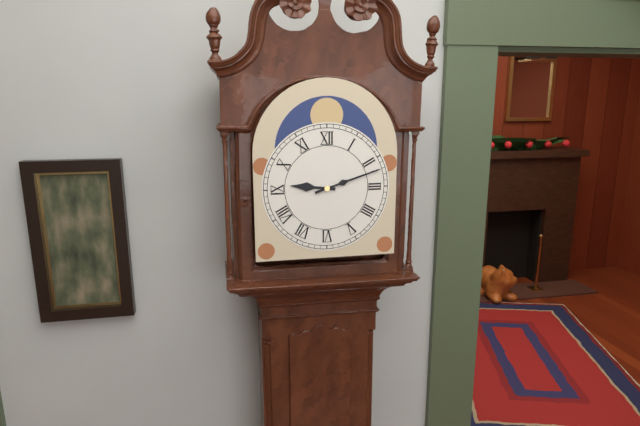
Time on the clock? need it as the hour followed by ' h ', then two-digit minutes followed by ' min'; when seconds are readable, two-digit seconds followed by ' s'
9 h 12 min
